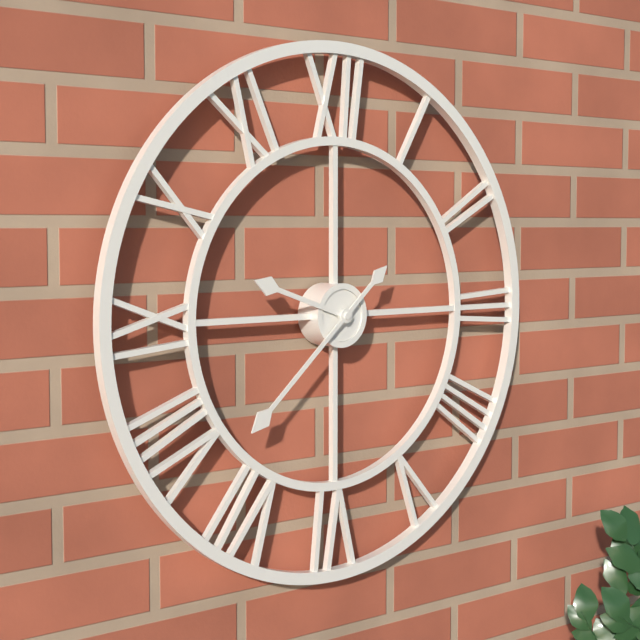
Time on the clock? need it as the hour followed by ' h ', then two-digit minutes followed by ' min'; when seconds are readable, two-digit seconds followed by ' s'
9 h 38 min
